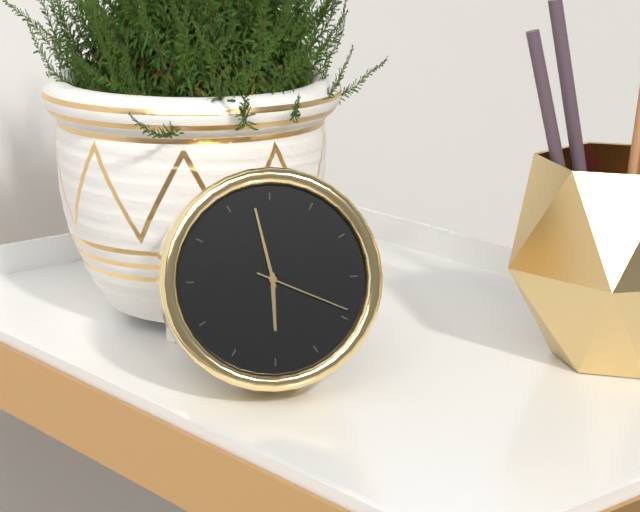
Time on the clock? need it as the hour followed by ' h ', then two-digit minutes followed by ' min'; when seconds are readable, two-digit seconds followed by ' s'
5 h 58 min 19 s
